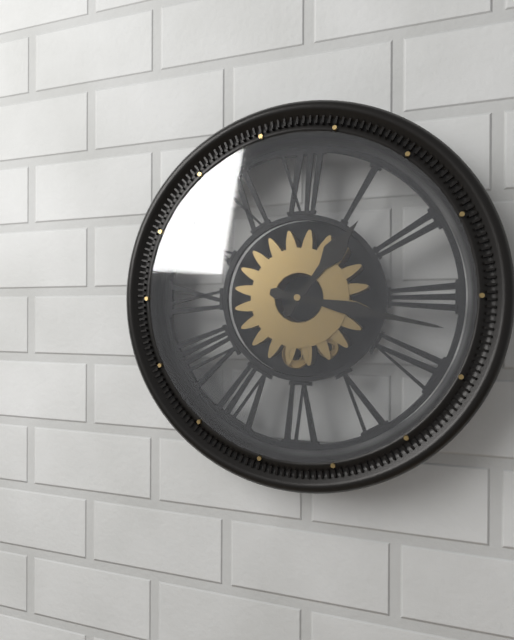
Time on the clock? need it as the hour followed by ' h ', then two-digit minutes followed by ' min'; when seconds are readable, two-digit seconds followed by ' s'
1 h 17 min
